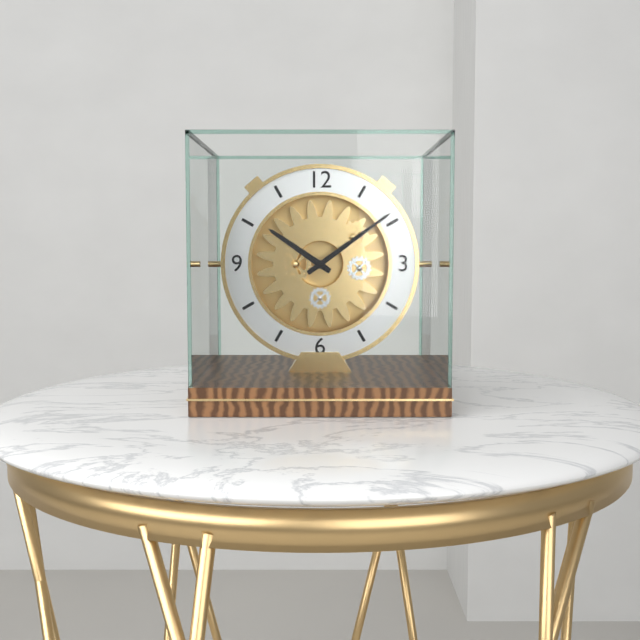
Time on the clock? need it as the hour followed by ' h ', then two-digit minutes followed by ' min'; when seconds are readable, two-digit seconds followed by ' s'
10 h 09 min
